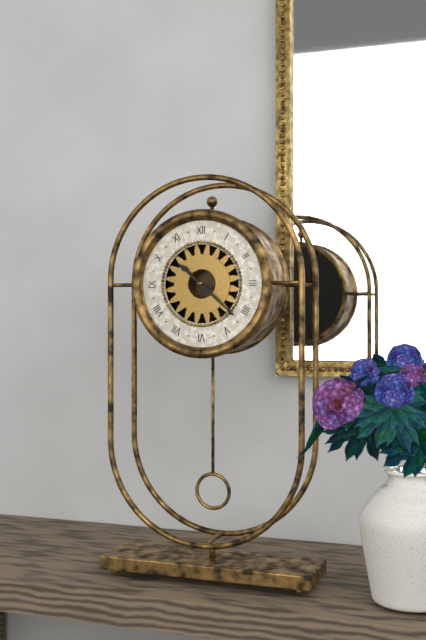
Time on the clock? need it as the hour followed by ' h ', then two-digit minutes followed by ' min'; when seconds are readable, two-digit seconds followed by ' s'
10 h 22 min
